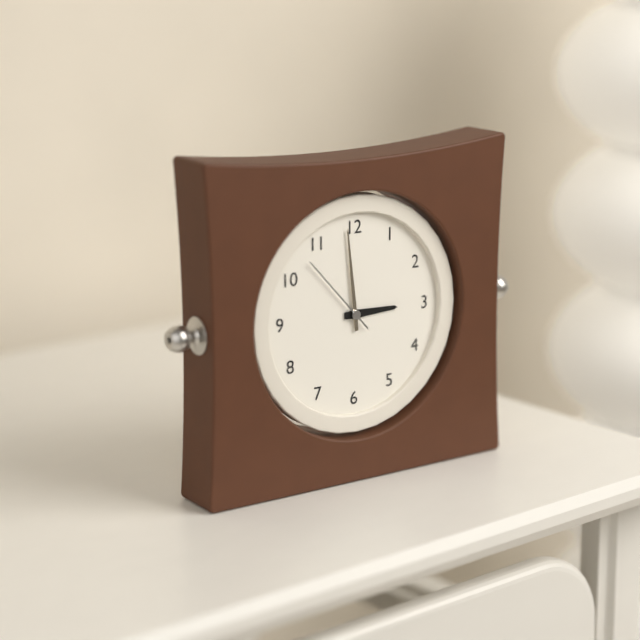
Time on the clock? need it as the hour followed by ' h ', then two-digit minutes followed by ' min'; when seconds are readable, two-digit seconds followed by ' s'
2 h 59 min 53 s
